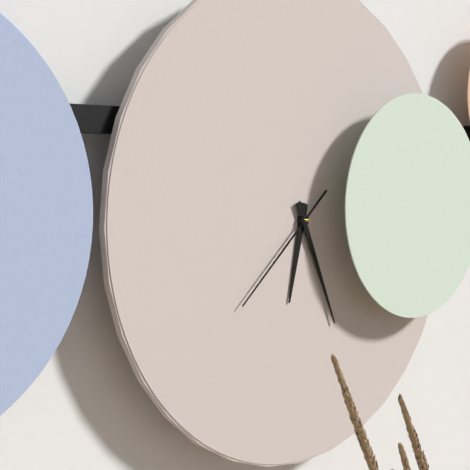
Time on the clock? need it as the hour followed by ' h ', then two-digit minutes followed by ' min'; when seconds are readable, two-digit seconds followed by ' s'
6 h 26 min 38 s
